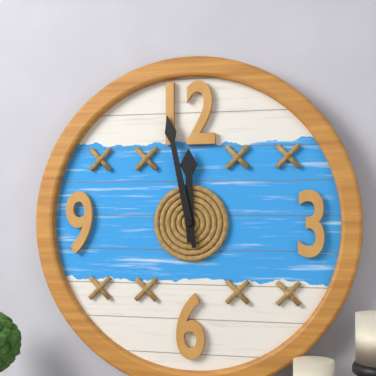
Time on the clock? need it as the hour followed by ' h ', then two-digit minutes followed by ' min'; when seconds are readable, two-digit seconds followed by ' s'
11 h 58 min
